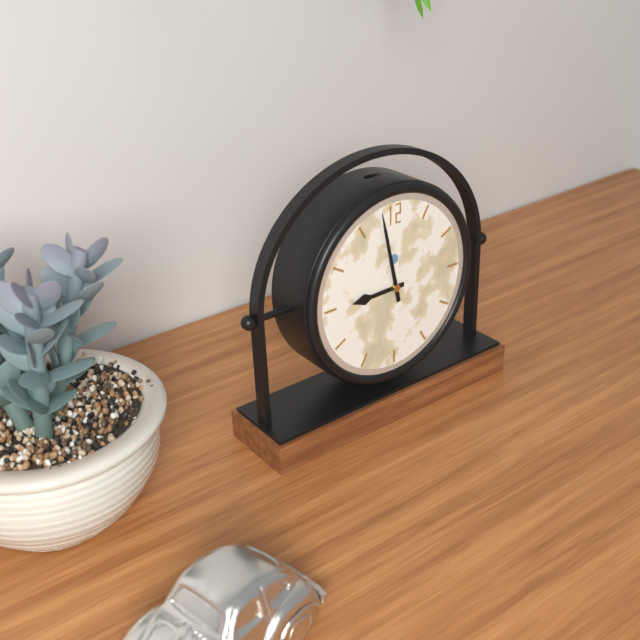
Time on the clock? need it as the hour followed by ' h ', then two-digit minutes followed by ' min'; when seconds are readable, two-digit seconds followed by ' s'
8 h 58 min
